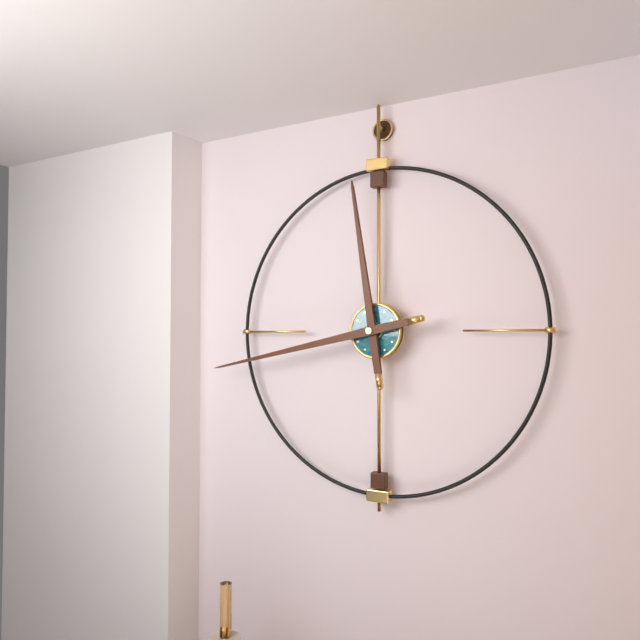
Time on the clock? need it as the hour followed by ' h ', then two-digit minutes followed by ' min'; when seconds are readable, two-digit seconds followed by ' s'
11 h 43 min
